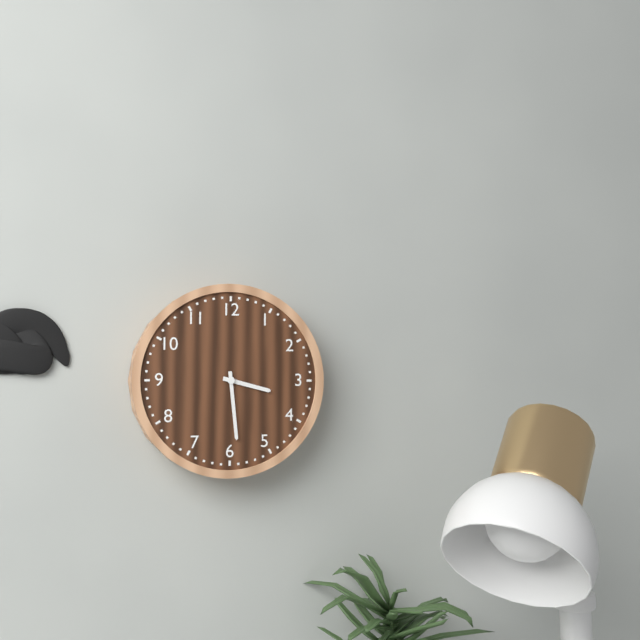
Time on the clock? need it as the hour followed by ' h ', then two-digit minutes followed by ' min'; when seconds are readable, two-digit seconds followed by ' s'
3 h 29 min
